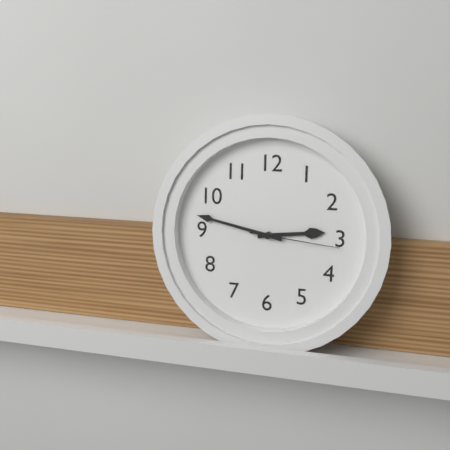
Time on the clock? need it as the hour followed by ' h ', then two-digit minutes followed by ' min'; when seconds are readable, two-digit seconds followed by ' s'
2 h 47 min 16 s
